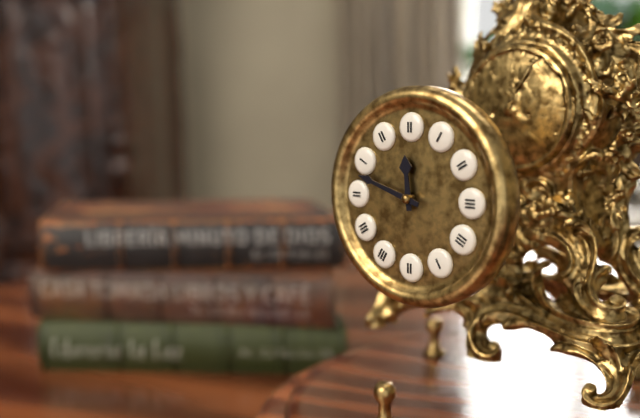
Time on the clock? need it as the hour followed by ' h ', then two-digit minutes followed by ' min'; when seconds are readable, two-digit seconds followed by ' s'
11 h 48 min
